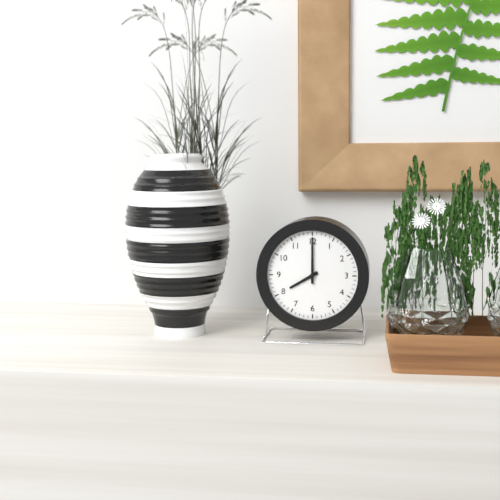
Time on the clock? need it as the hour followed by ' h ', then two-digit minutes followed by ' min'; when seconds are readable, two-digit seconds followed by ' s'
8 h 00 min
